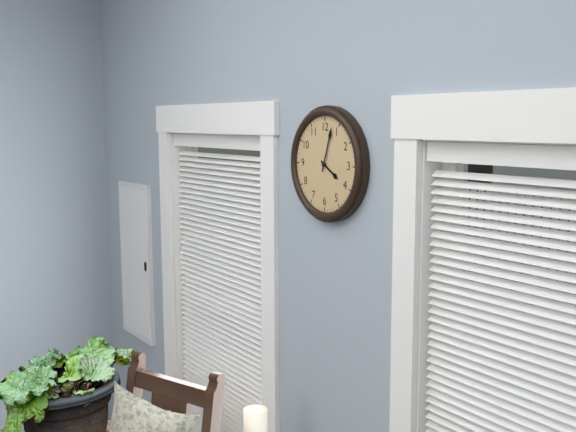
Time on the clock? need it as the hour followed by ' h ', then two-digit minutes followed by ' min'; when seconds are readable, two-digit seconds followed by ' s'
4 h 03 min
